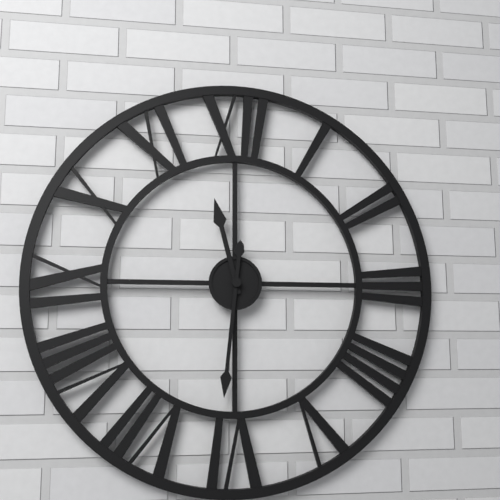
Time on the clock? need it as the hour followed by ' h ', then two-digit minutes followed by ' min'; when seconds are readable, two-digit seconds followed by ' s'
11 h 31 min
